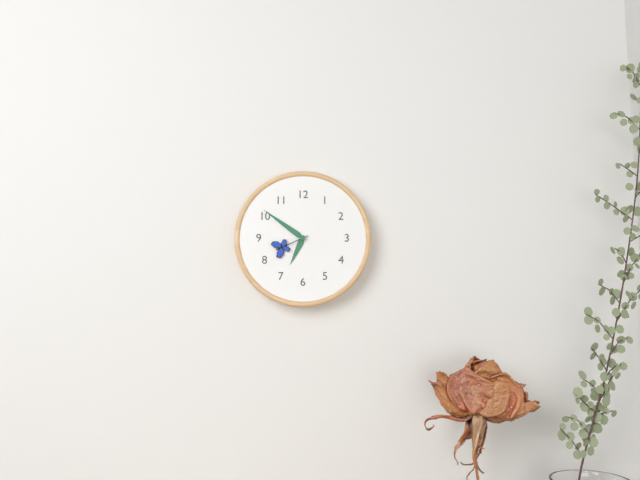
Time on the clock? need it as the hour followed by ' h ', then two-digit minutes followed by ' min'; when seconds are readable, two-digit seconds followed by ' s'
6 h 51 min
